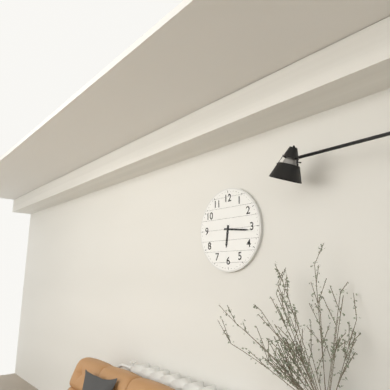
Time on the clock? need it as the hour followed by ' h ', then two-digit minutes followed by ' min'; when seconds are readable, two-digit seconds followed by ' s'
6 h 16 min
